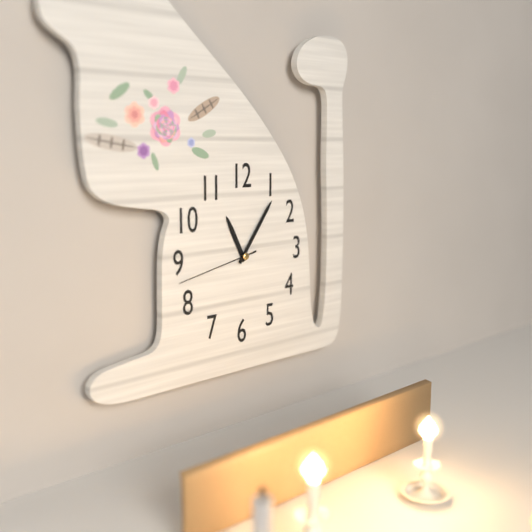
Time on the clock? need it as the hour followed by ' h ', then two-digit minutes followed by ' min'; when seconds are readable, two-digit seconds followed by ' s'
11 h 06 min 43 s
